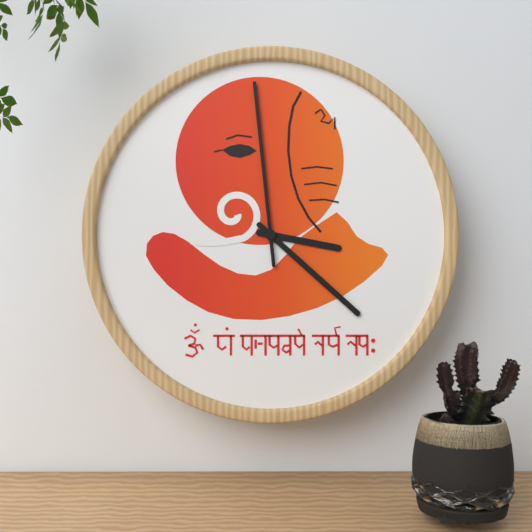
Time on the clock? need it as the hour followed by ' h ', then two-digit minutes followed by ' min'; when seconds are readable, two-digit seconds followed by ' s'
3 h 22 min 59 s
